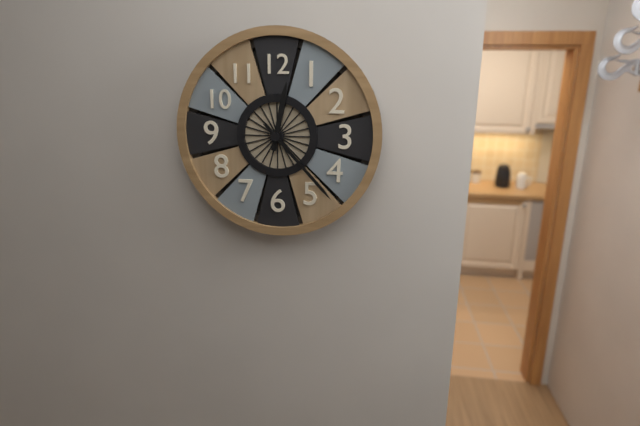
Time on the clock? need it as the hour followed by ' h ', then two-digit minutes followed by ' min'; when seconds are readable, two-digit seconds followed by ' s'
12 h 23 min
